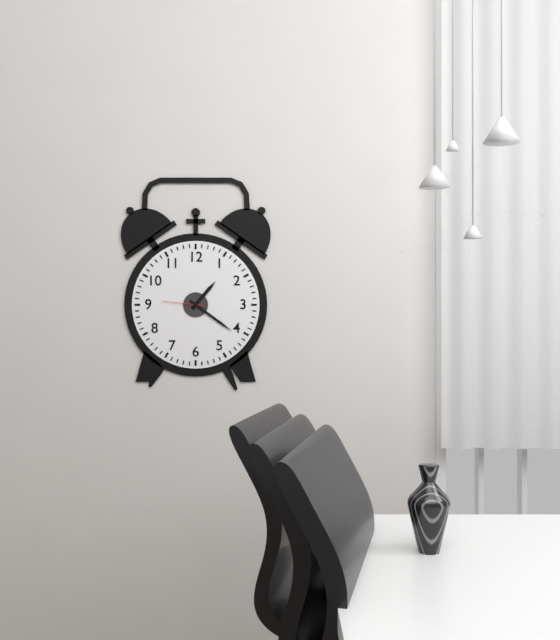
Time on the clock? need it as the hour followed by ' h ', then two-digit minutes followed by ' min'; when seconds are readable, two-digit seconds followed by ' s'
1 h 21 min
